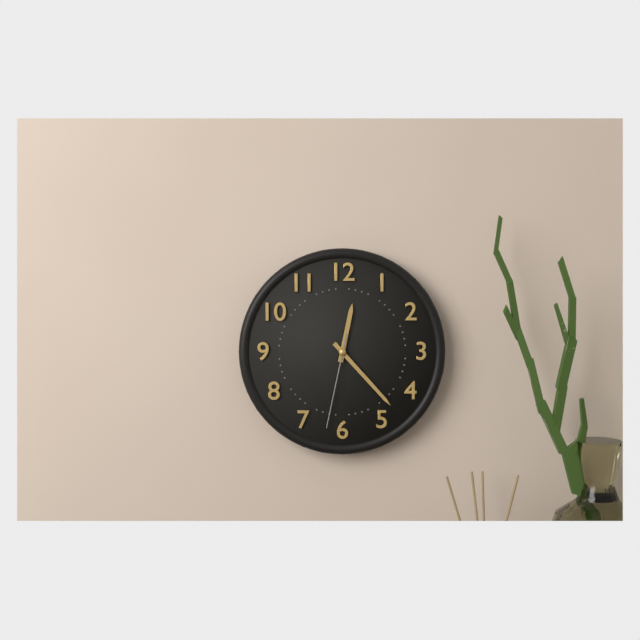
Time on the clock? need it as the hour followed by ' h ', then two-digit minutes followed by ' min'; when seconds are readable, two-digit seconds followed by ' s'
12 h 23 min 32 s
